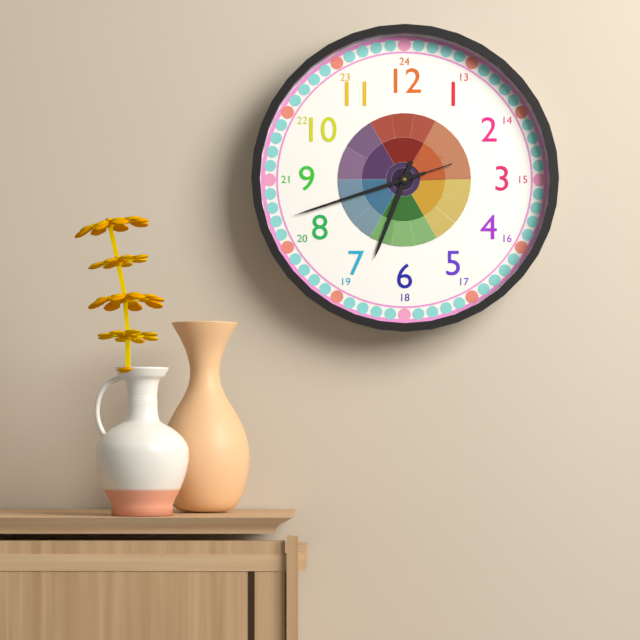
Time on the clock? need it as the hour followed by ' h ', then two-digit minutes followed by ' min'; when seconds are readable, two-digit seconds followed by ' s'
6 h 42 min 42 s
